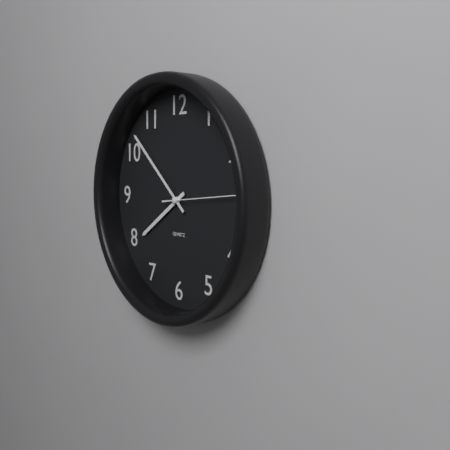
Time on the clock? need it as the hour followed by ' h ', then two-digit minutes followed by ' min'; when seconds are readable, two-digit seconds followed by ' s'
7 h 52 min 14 s
